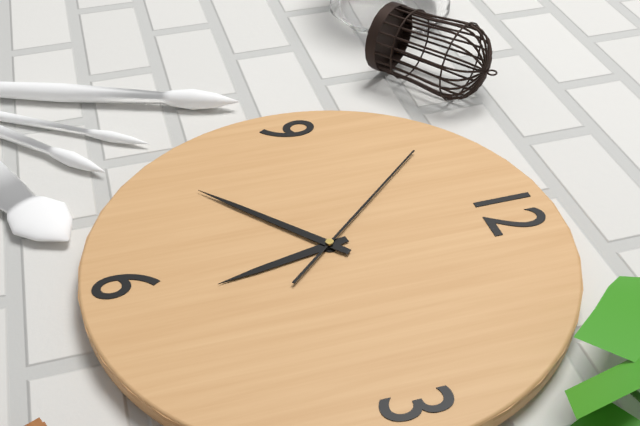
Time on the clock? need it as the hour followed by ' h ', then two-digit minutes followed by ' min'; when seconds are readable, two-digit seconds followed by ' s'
5 h 38 min 53 s
